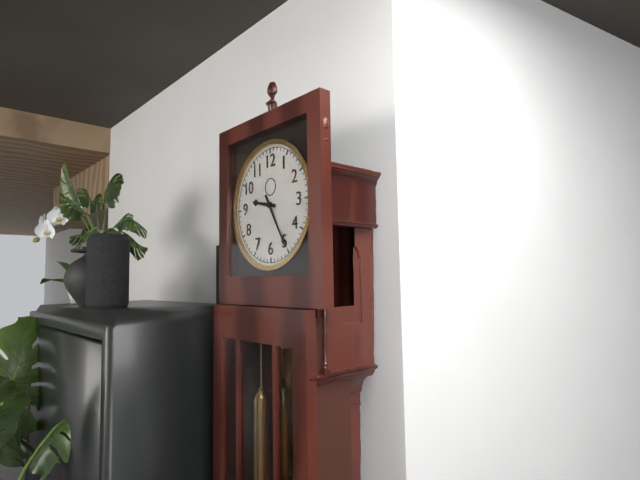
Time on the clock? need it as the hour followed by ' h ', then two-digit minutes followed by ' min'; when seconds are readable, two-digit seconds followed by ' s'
9 h 25 min
